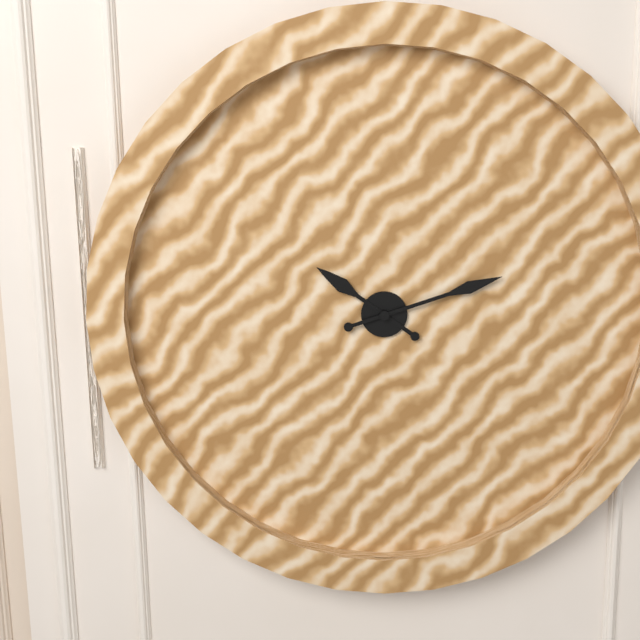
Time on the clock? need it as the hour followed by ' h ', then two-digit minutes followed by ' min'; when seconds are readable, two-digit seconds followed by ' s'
10 h 12 min
